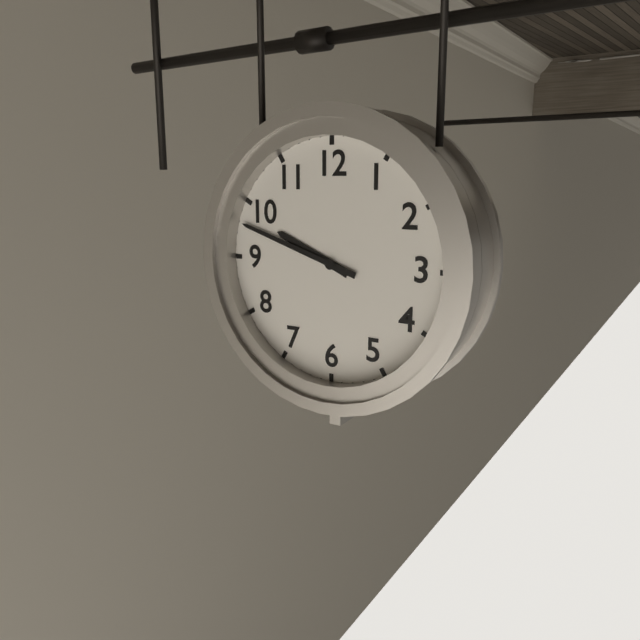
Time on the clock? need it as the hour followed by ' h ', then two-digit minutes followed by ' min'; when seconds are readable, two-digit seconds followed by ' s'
9 h 48 min
